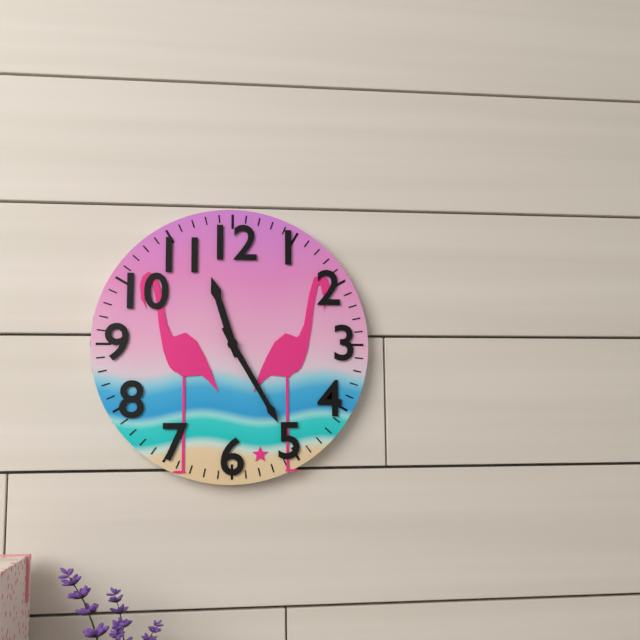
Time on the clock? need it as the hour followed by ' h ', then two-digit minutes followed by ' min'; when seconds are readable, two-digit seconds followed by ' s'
11 h 25 min
